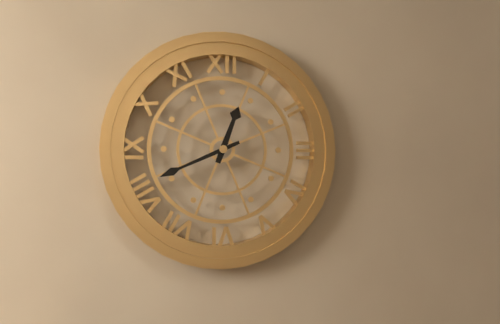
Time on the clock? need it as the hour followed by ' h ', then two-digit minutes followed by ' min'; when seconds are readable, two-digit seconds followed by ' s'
12 h 41 min
